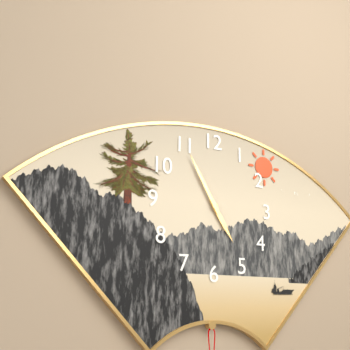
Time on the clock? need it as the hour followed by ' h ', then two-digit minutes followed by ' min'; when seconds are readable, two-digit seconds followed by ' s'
4 h 55 min
